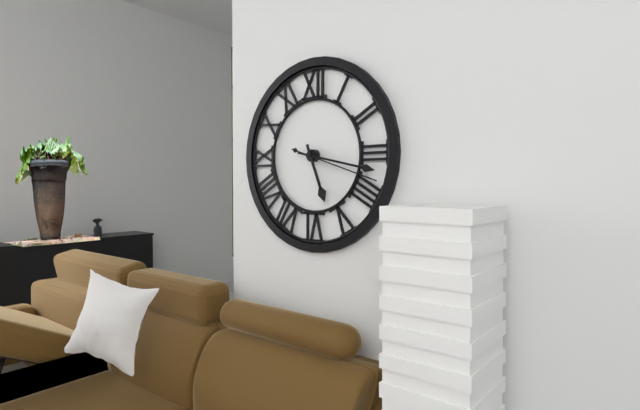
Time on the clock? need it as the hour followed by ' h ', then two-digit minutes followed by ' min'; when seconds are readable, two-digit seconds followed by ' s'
5 h 17 min 18 s
